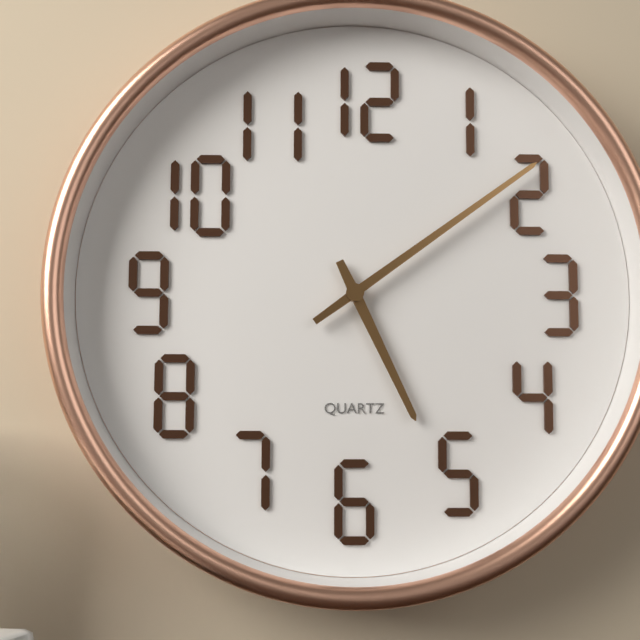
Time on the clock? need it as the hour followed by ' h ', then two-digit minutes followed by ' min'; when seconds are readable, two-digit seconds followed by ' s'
5 h 09 min
